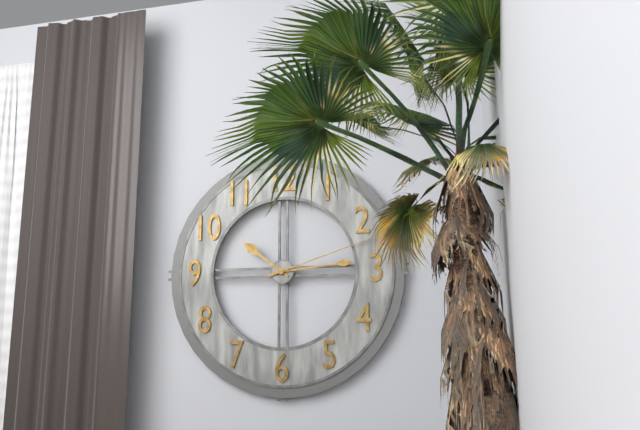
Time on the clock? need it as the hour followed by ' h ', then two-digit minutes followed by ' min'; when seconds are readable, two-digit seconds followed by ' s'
10 h 14 min 12 s
